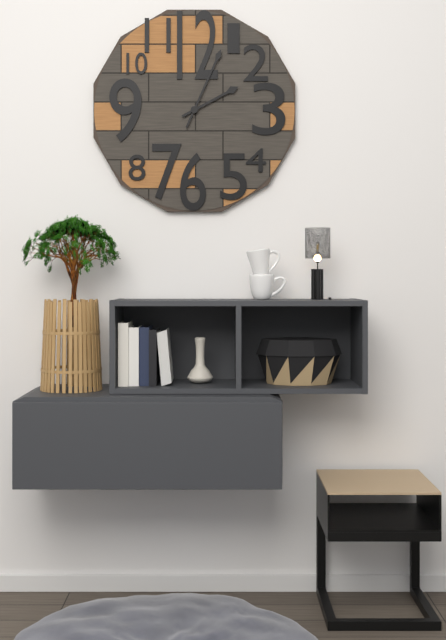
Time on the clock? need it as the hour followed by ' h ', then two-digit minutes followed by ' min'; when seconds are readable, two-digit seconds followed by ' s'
2 h 04 min
